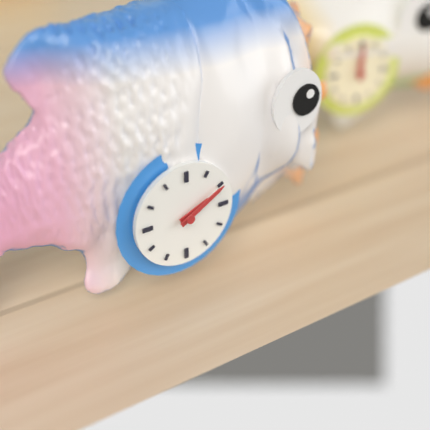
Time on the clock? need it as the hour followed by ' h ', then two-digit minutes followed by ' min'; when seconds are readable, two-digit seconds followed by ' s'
2 h 10 min
